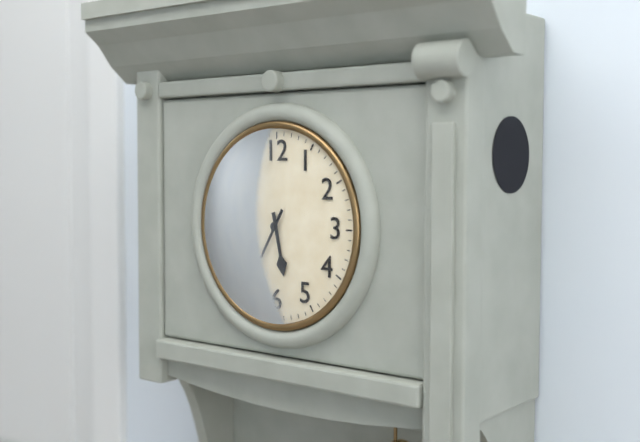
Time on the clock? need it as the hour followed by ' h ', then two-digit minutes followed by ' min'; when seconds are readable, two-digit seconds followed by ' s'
5 h 35 min
